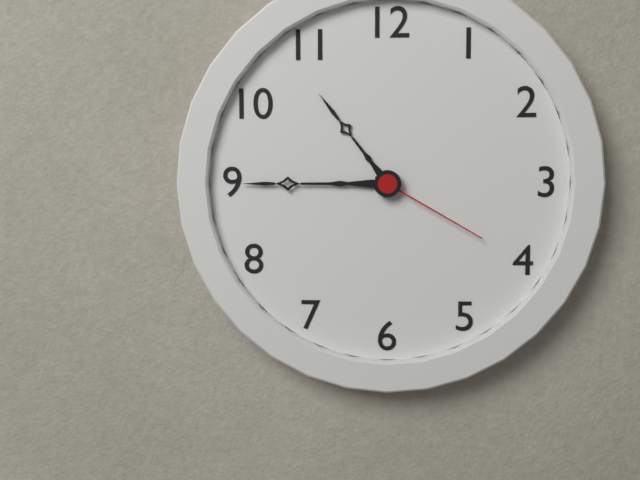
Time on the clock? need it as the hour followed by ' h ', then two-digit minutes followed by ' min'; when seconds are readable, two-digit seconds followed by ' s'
10 h 45 min 20 s
